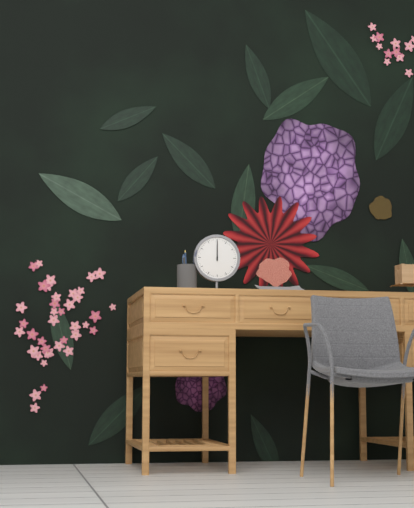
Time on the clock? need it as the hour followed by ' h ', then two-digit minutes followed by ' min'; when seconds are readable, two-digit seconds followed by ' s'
12 h 00 min
